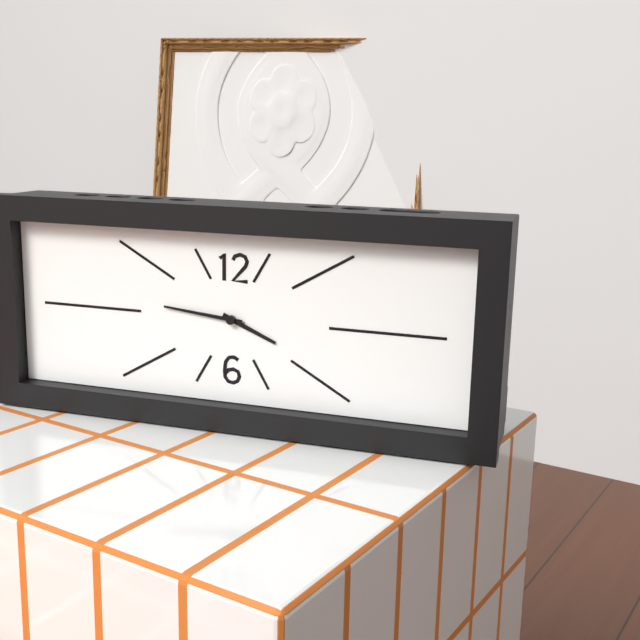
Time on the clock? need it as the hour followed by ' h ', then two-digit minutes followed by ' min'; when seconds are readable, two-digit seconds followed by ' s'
3 h 46 min
